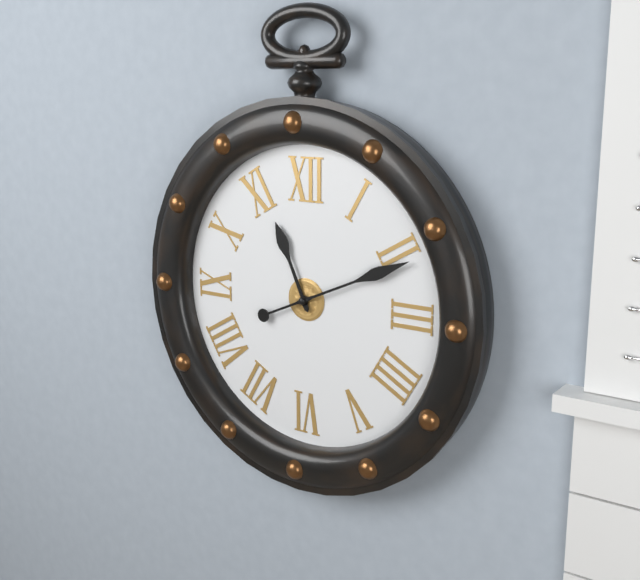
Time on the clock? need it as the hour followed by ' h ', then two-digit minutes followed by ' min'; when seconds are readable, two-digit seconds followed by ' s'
11 h 11 min
